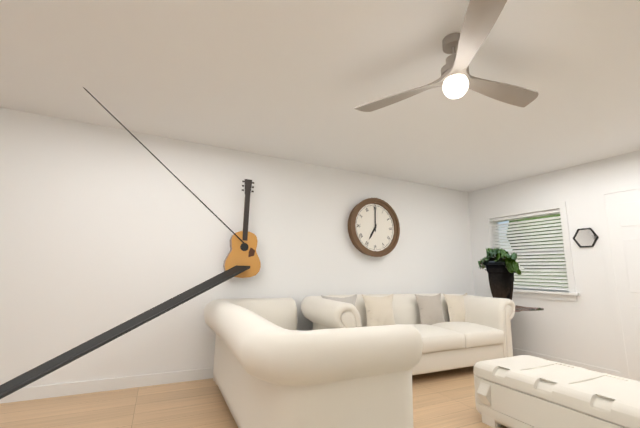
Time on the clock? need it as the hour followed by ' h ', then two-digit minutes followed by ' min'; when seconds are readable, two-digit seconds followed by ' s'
7 h 00 min
